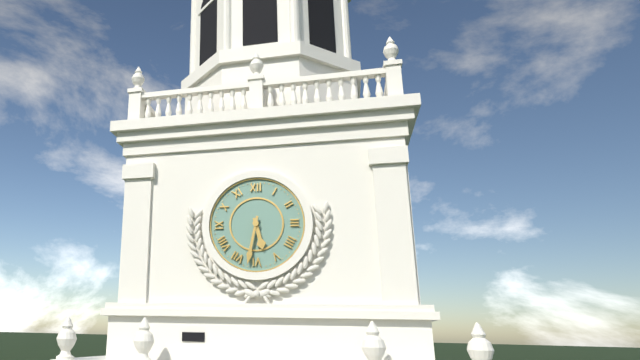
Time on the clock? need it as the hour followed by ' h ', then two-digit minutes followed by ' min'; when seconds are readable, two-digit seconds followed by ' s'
5 h 32 min
